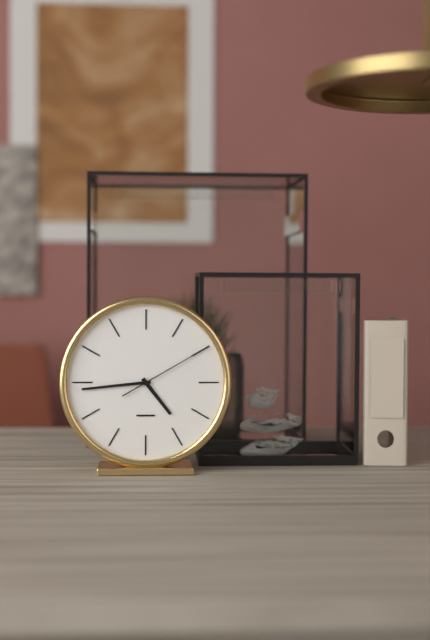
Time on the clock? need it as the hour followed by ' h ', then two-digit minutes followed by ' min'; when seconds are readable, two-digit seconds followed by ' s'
4 h 44 min 10 s
